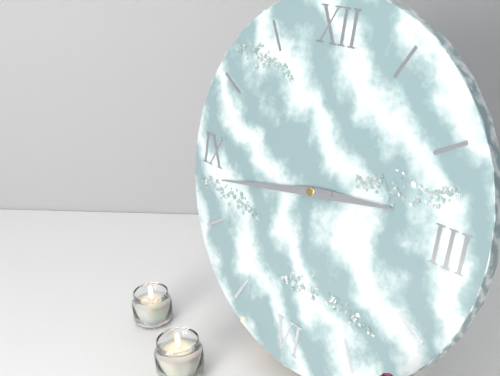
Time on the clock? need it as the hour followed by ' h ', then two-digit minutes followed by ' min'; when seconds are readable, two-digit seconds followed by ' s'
2 h 43 min
